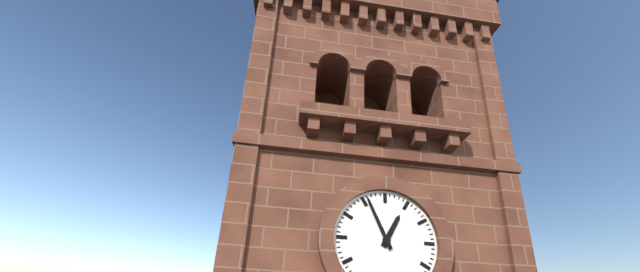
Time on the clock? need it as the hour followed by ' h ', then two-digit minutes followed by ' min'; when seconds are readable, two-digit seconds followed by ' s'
12 h 56 min
